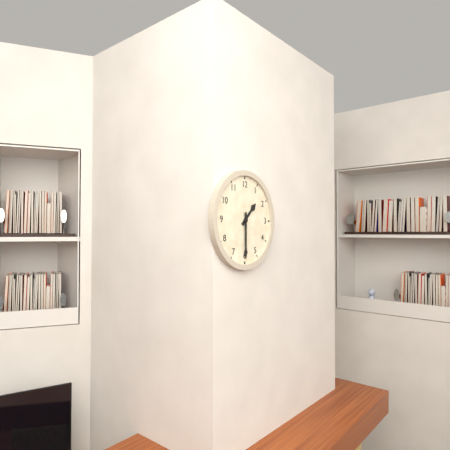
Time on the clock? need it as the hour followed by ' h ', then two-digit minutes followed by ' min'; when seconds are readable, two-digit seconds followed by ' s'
1 h 30 min
